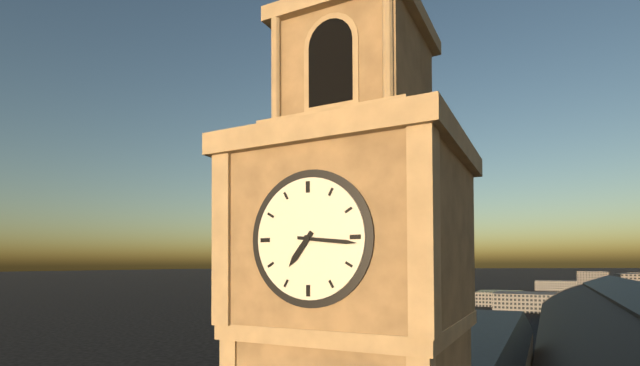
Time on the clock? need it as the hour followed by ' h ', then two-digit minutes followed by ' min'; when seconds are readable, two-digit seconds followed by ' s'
7 h 16 min
